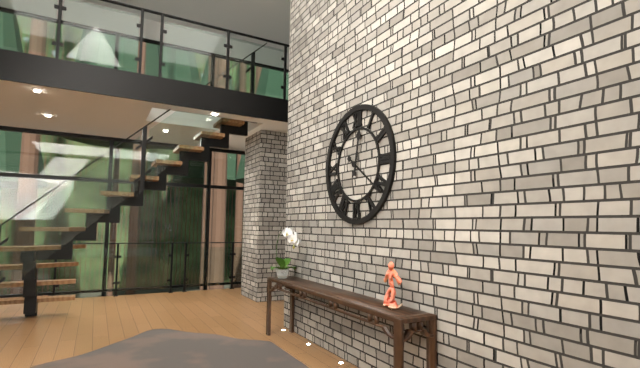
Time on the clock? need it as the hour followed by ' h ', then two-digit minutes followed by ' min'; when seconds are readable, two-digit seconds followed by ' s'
12 h 21 min
